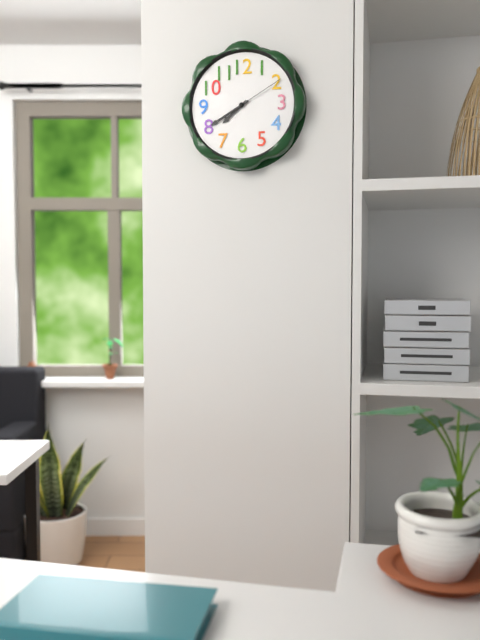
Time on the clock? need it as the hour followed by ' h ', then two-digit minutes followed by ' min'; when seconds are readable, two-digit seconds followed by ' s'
7 h 40 min 10 s
